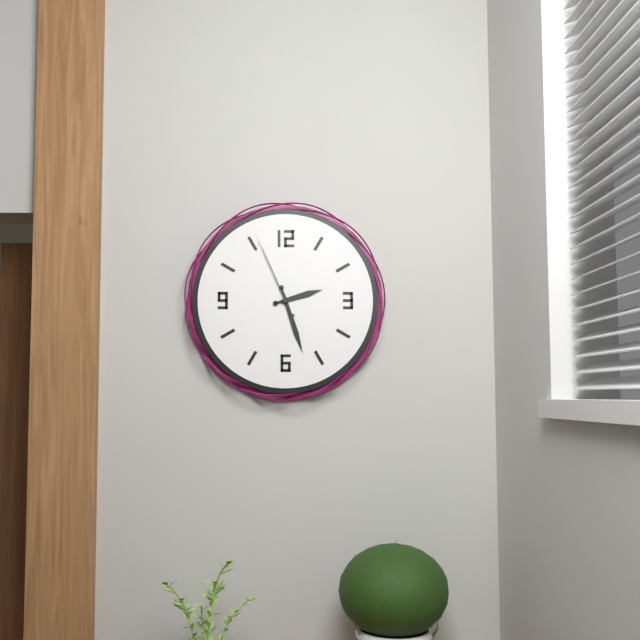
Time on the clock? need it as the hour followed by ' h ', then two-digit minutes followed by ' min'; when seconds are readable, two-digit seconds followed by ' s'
2 h 27 min 56 s
